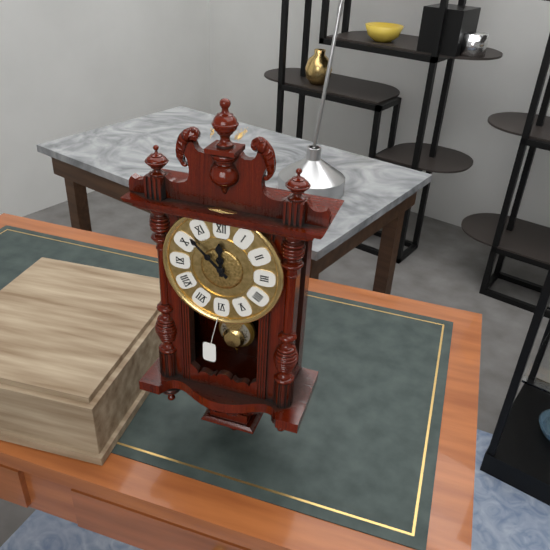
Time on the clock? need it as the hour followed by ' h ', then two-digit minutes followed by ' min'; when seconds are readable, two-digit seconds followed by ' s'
11 h 52 min
